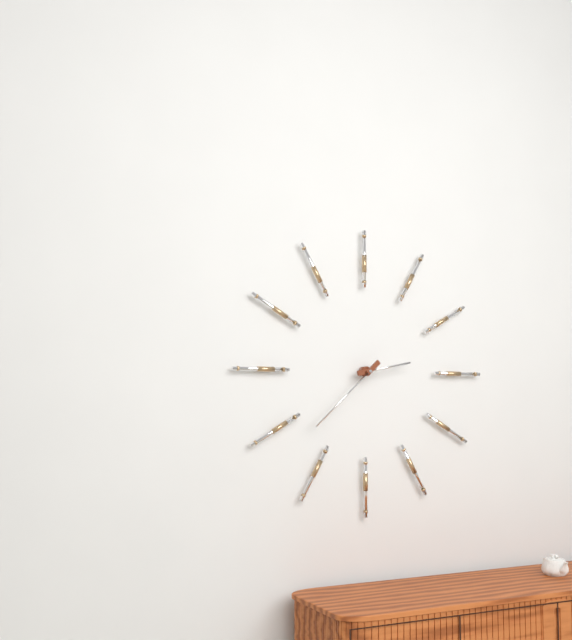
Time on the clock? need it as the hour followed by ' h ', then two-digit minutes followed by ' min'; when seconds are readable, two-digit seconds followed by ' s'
2 h 38 min
